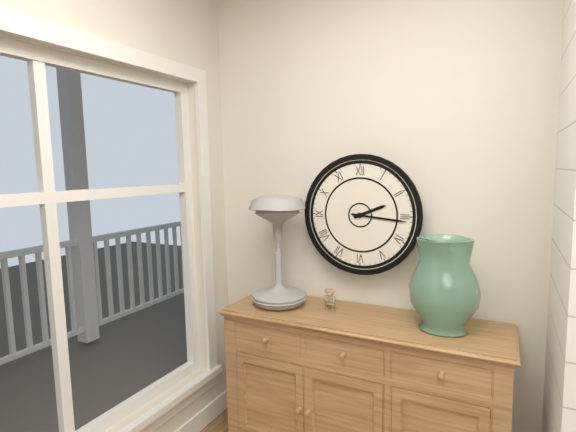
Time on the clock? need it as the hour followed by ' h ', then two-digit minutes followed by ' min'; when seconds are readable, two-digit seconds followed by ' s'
2 h 16 min
